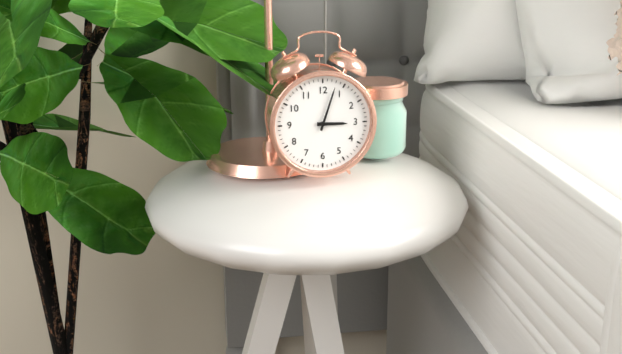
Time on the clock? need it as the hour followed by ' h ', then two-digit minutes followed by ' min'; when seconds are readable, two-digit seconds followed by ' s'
3 h 03 min
